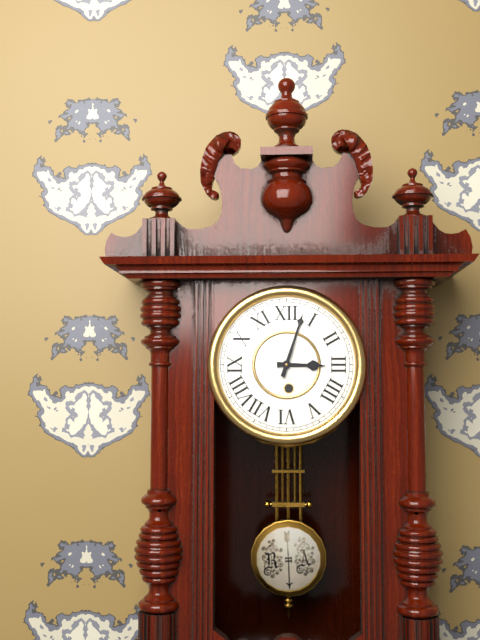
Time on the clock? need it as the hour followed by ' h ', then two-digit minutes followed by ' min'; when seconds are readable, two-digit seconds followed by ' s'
3 h 03 min
